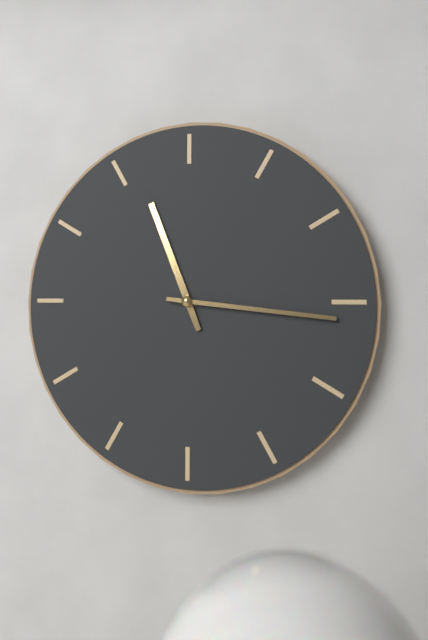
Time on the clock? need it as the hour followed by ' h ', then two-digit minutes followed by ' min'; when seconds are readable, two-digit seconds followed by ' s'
11 h 16 min
